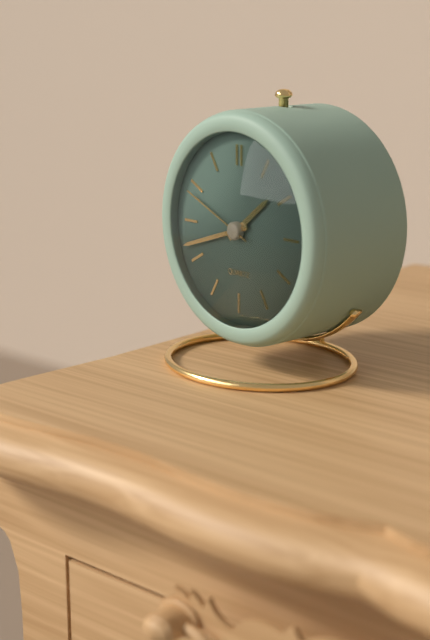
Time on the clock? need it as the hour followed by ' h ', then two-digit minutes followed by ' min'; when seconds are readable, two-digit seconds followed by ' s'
1 h 42 min 49 s
